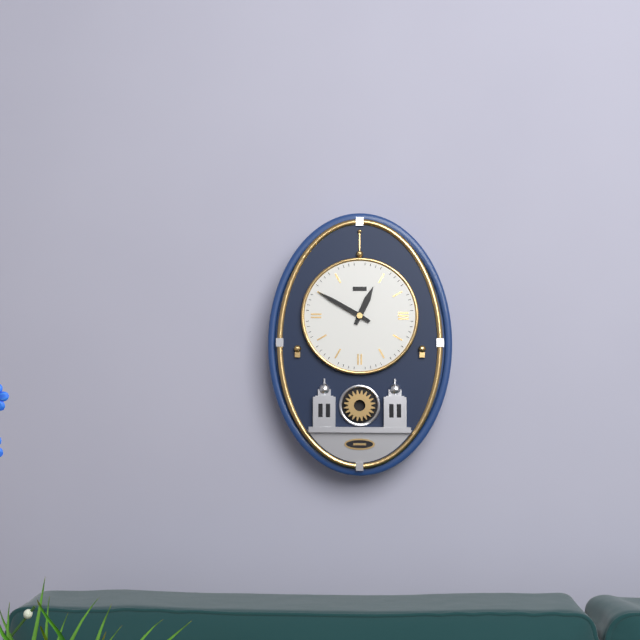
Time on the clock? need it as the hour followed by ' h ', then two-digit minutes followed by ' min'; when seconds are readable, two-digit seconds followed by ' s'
12 h 50 min
